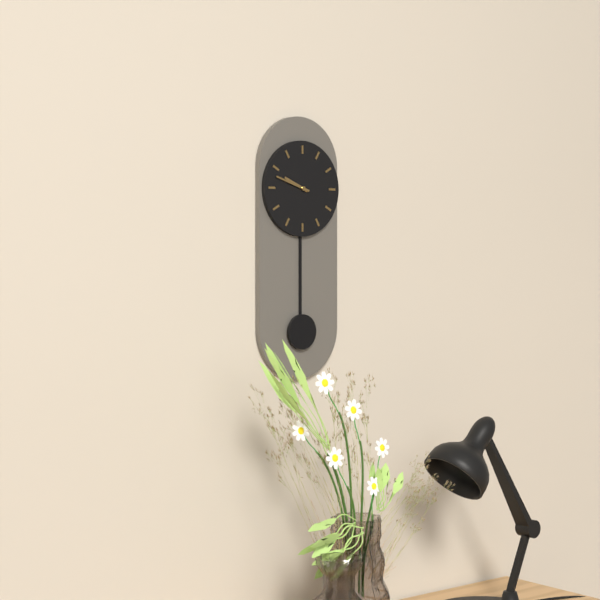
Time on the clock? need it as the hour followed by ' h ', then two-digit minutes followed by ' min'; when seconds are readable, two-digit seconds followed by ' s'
9 h 48 min
